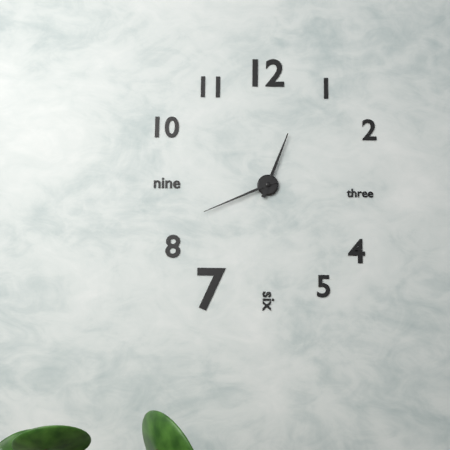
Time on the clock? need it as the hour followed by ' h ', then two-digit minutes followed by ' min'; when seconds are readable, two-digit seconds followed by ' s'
12 h 41 min
